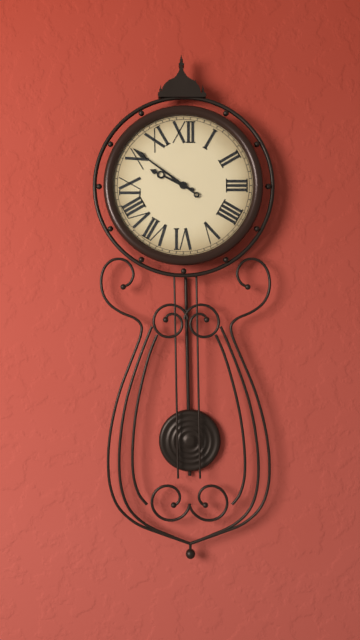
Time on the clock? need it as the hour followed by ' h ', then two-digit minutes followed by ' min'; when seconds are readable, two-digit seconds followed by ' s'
9 h 51 min
